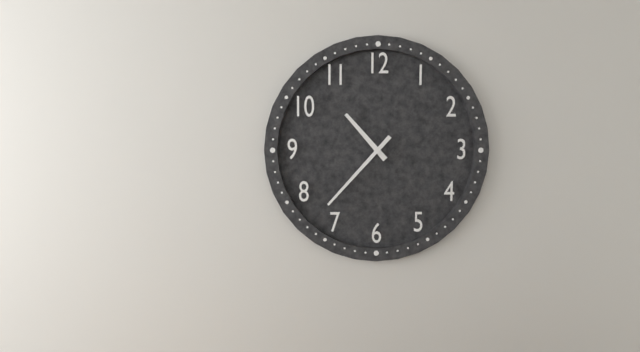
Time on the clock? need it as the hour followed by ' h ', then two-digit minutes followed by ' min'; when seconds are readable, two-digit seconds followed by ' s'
10 h 37 min
